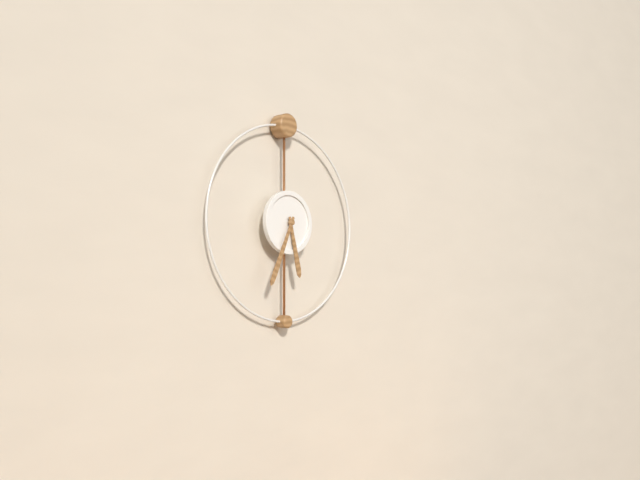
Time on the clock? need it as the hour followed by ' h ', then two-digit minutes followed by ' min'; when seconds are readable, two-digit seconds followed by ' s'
5 h 34 min
